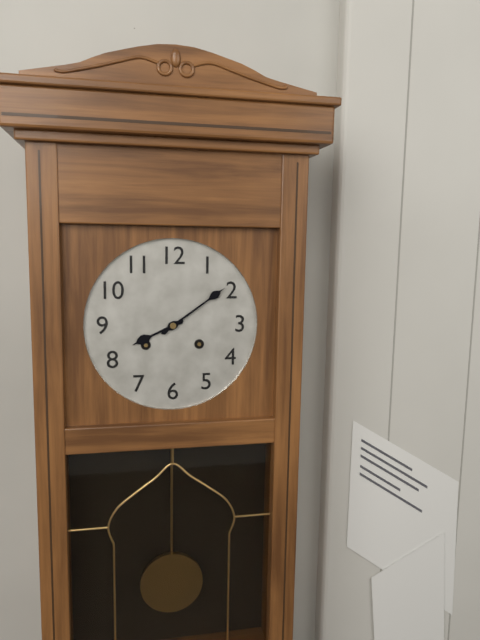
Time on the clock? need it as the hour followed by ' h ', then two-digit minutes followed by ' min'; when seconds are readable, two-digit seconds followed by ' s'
8 h 09 min
